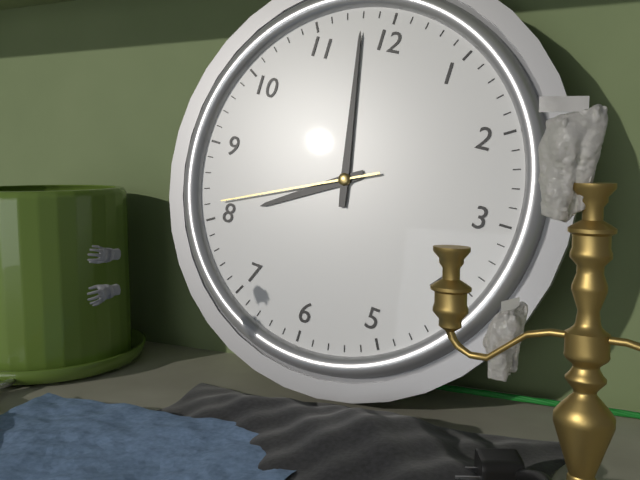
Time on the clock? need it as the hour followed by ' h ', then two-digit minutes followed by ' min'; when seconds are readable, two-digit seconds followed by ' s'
7 h 58 min 41 s
